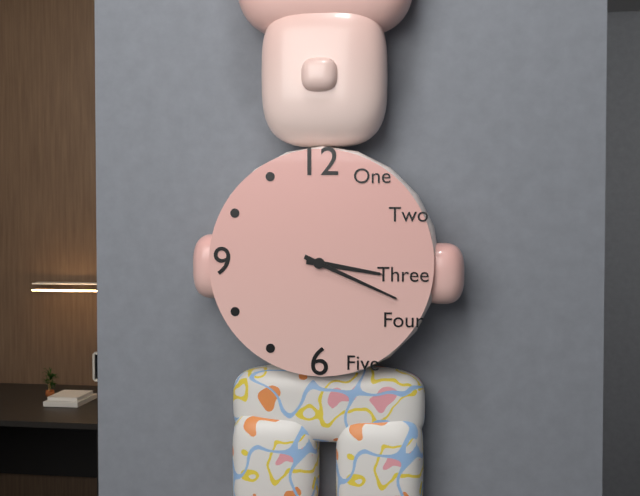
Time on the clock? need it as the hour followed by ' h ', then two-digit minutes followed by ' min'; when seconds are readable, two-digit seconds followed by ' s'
3 h 19 min
